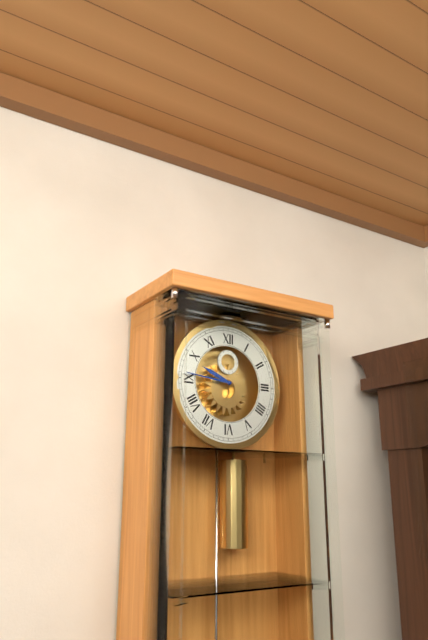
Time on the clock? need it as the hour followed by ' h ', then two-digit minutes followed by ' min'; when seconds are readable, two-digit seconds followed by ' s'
9 h 46 min
